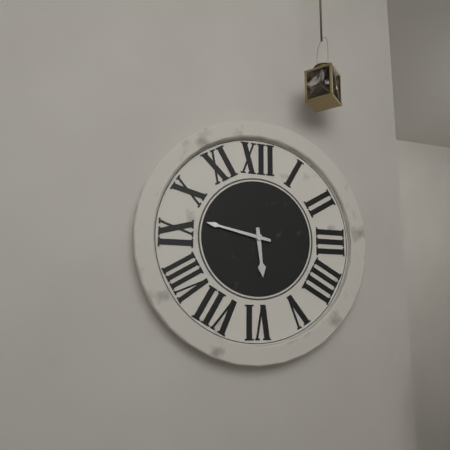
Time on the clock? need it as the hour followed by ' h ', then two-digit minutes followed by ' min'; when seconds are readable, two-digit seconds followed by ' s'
5 h 47 min
